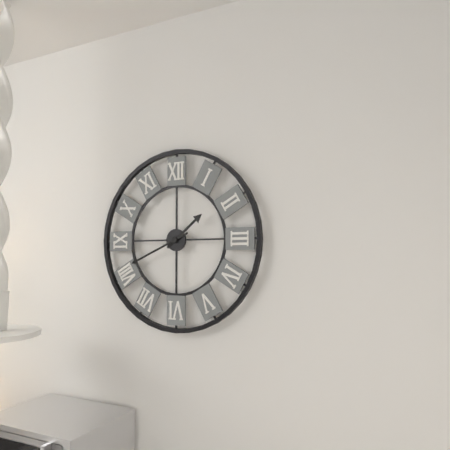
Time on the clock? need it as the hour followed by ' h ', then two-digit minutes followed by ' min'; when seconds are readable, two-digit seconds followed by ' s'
1 h 41 min
